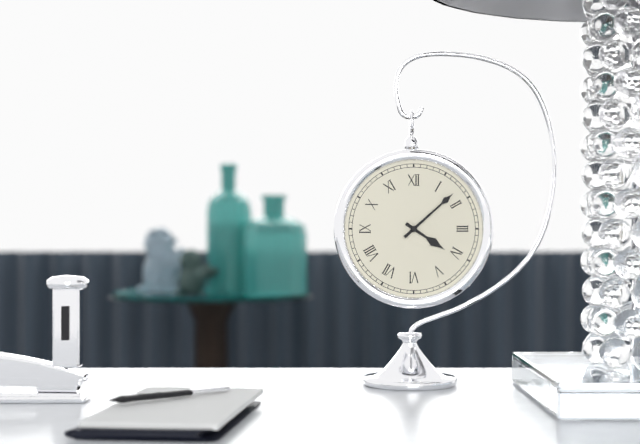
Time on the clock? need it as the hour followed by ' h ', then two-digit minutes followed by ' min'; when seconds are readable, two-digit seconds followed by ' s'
4 h 08 min
